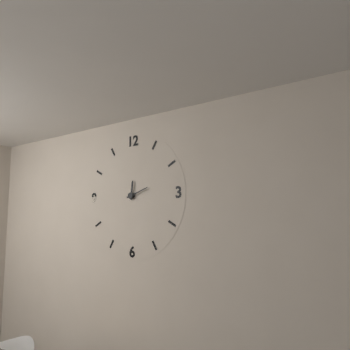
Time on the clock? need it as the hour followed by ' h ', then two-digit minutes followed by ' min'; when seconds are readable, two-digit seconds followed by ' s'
12 h 12 min
